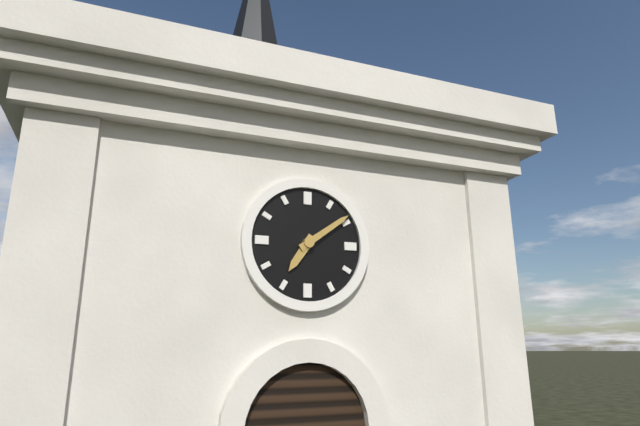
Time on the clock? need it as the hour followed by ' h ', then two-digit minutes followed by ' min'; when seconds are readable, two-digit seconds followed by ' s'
7 h 09 min
